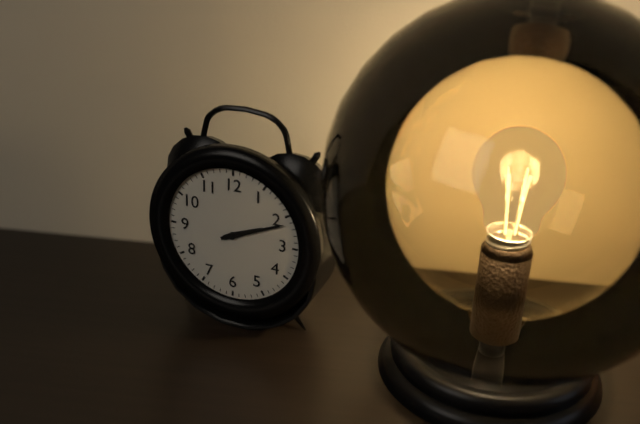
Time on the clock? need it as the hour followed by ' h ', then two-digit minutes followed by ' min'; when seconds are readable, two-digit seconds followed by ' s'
2 h 11 min
